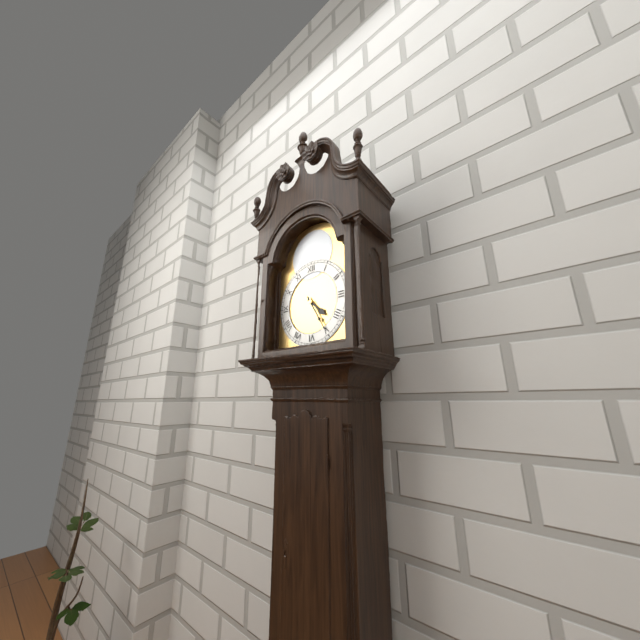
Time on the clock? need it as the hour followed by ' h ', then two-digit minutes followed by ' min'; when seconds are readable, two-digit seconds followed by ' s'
4 h 25 min
